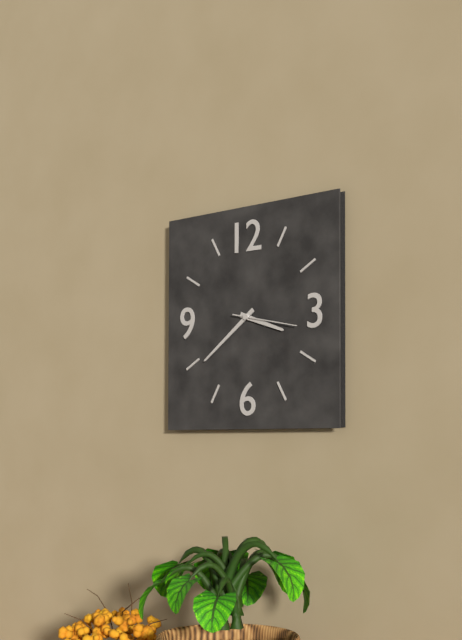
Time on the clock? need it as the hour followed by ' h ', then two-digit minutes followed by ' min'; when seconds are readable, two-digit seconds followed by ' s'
3 h 39 min 17 s
